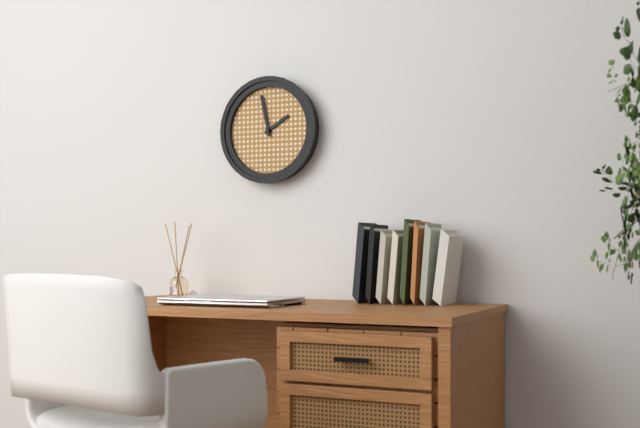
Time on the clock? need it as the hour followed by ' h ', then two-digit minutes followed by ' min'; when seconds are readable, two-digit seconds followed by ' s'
1 h 58 min
